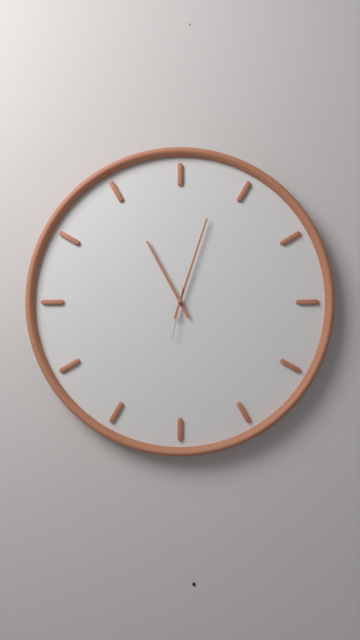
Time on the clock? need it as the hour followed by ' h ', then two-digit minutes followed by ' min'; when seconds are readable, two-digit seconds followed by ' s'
11 h 03 min
